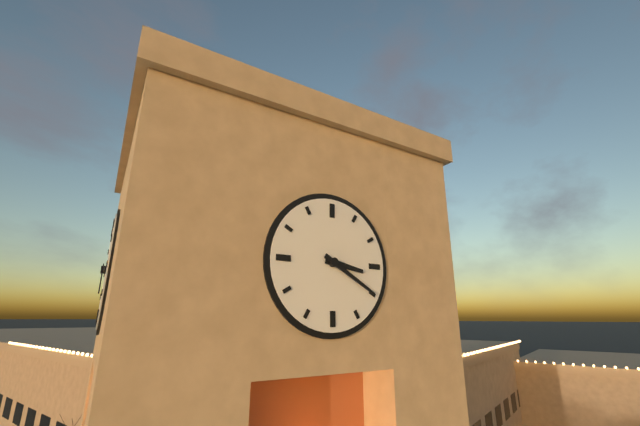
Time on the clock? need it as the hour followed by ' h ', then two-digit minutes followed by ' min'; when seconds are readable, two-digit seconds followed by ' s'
3 h 20 min
